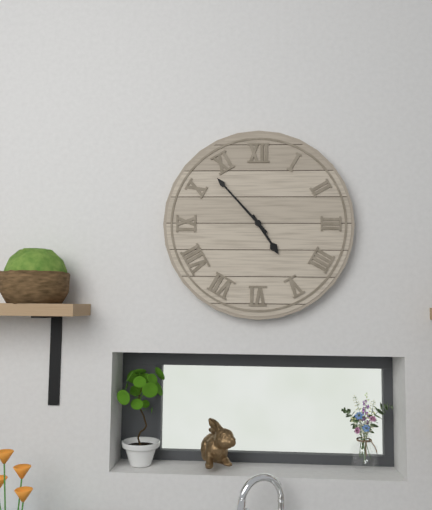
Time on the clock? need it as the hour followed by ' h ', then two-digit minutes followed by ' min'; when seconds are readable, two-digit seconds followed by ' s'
4 h 53 min
